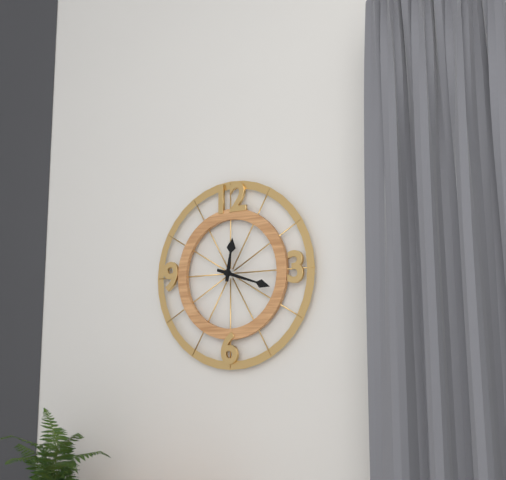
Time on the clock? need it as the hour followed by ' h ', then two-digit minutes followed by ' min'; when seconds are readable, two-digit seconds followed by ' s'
12 h 18 min
